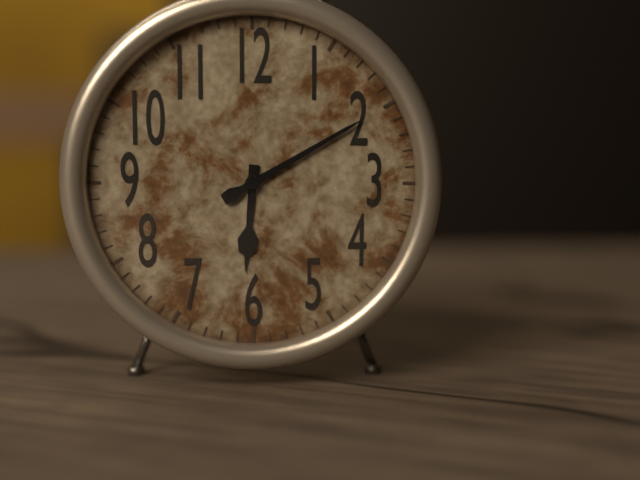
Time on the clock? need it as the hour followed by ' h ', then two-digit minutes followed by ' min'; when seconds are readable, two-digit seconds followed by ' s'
6 h 10 min
